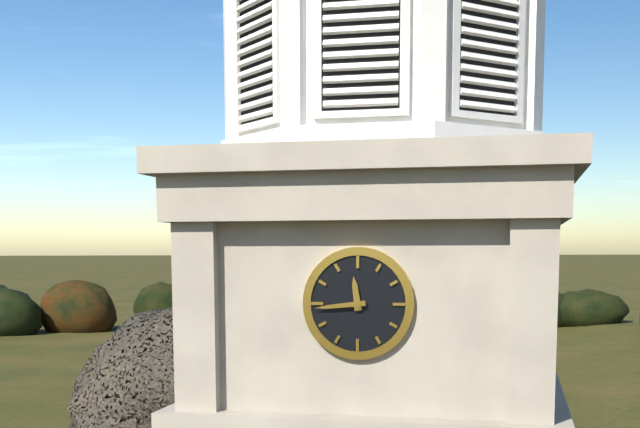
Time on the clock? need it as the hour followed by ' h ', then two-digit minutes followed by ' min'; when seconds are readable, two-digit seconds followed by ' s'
11 h 44 min
